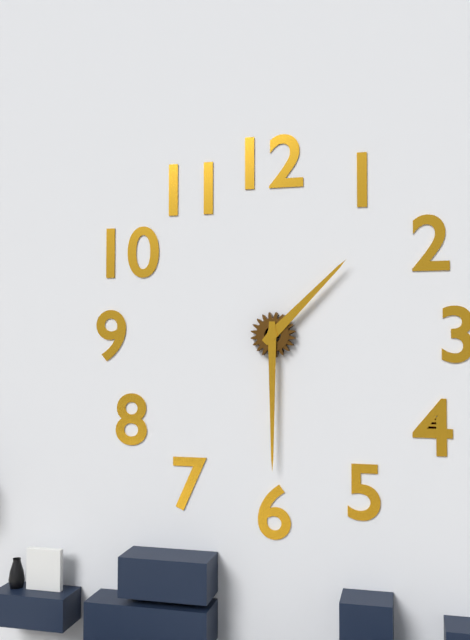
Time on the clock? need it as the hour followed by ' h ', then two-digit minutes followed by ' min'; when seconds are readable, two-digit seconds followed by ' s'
1 h 30 min
